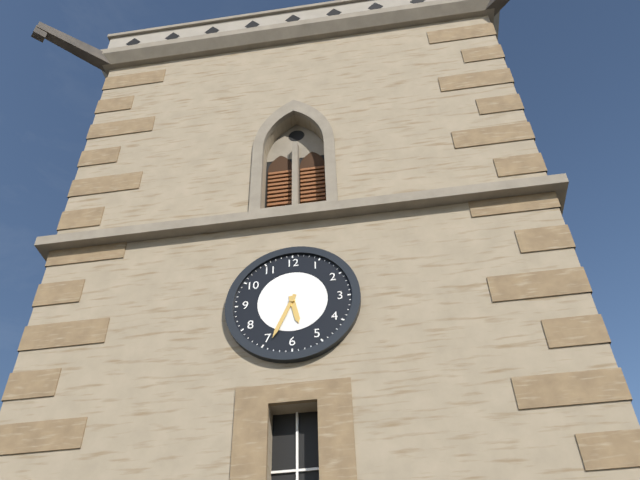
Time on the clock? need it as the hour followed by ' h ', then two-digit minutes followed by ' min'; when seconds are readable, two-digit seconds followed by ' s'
5 h 34 min
